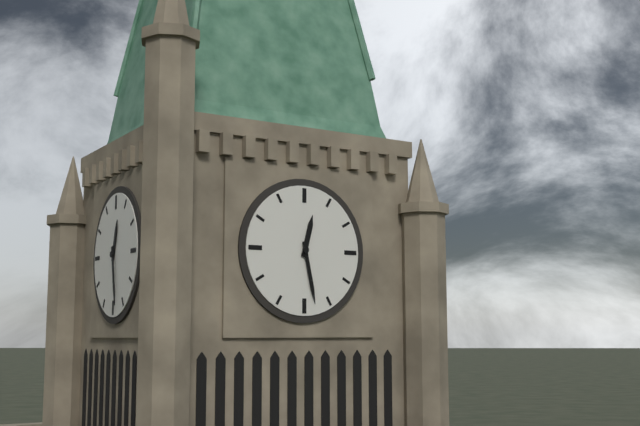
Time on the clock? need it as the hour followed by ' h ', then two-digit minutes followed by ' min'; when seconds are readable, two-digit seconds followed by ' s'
12 h 28 min
